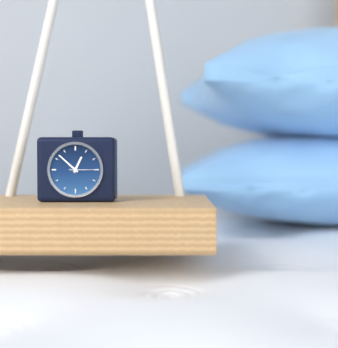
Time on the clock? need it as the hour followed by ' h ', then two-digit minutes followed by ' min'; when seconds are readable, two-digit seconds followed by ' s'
12 h 52 min
